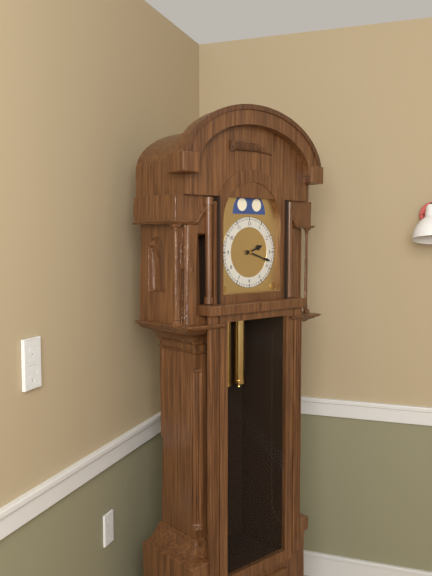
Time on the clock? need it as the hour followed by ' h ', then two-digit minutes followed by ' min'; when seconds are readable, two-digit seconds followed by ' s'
2 h 18 min
